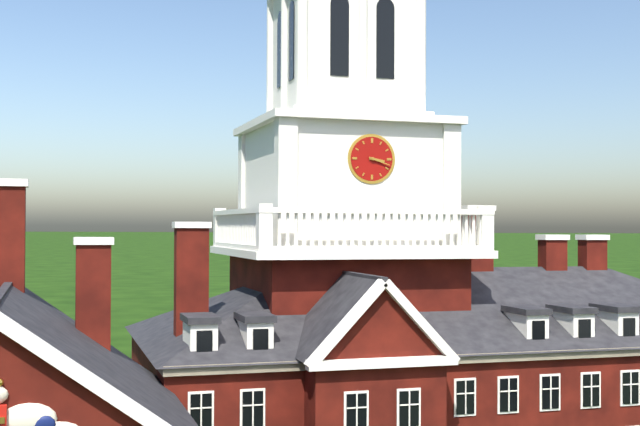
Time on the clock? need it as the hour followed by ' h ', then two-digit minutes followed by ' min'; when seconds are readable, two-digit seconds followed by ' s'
3 h 18 min
